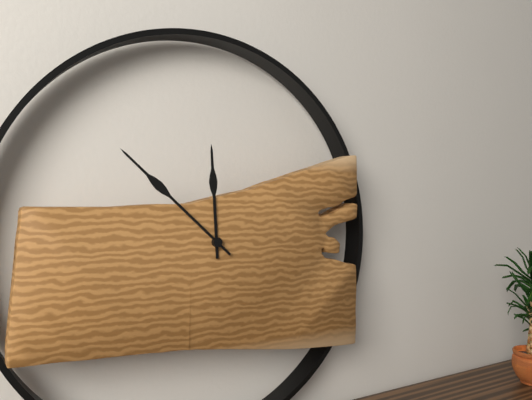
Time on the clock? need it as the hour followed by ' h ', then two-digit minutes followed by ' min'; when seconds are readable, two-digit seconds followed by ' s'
11 h 52 min
